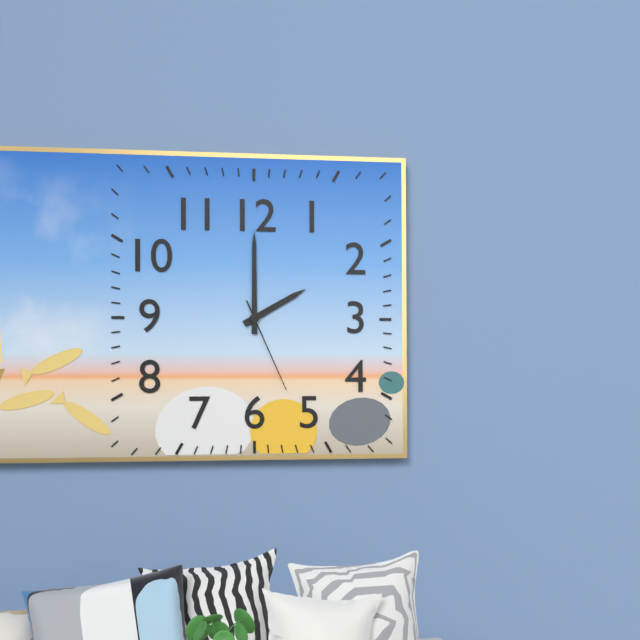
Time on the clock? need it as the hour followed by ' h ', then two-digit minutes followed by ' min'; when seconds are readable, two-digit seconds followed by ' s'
2 h 00 min 26 s
